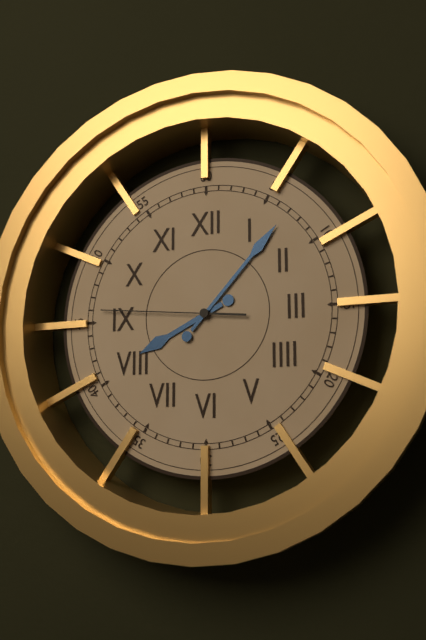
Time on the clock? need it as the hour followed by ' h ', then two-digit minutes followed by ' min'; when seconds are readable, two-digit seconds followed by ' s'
8 h 07 min 46 s
